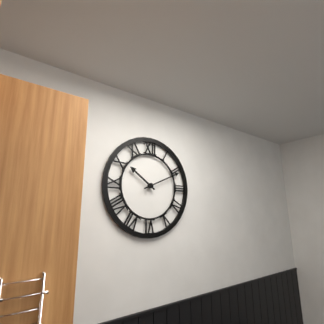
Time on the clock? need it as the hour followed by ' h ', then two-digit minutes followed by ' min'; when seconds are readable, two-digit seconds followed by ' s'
10 h 11 min
